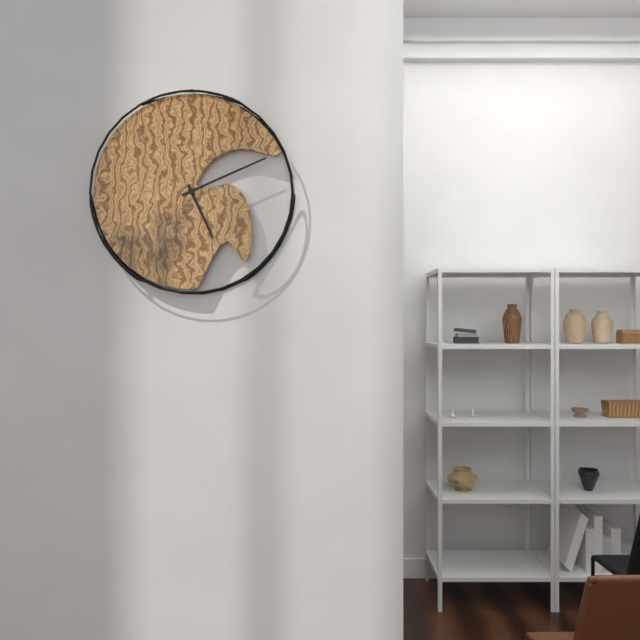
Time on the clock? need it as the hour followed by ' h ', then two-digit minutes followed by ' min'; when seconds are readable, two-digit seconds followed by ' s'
5 h 11 min
